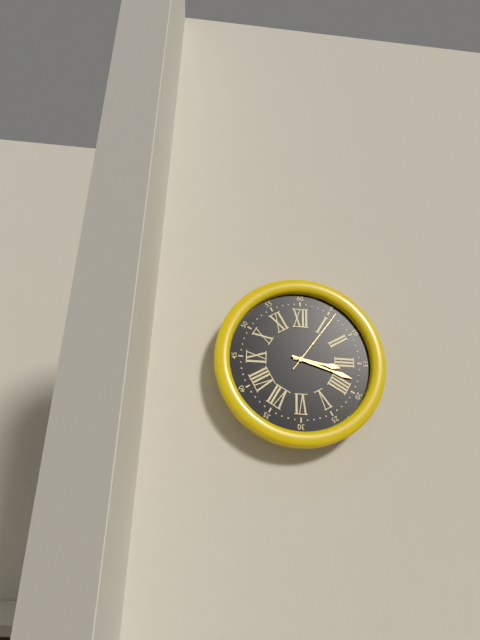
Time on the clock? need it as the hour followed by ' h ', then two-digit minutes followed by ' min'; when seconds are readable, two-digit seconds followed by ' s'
3 h 18 min 06 s
